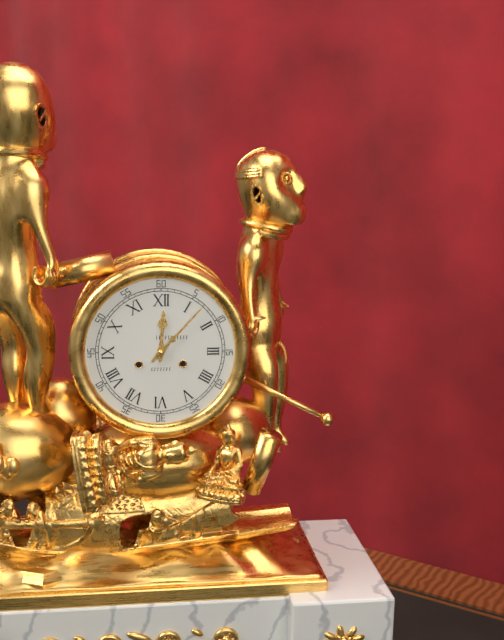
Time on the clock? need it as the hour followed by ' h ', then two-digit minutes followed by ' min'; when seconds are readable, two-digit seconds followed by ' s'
12 h 07 min
